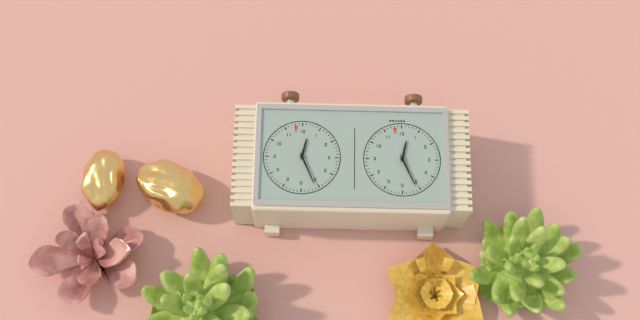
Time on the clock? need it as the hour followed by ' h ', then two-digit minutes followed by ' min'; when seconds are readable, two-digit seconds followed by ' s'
12 h 26 min
